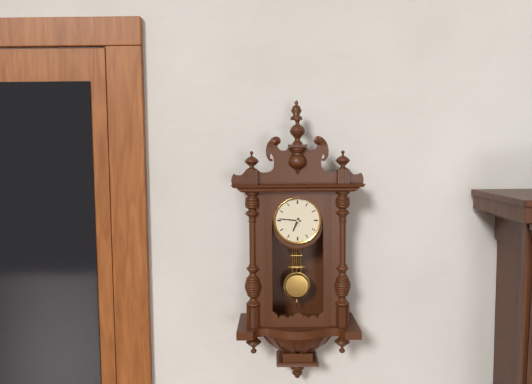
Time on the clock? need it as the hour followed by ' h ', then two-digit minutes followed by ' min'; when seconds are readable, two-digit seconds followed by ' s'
6 h 46 min
